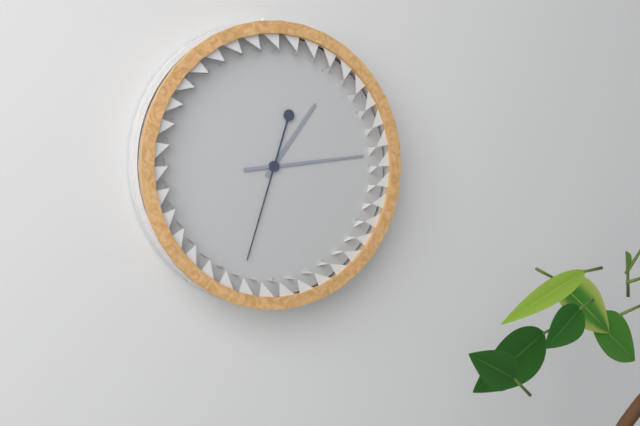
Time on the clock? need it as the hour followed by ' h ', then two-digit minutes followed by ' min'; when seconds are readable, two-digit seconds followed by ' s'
1 h 14 min 33 s
